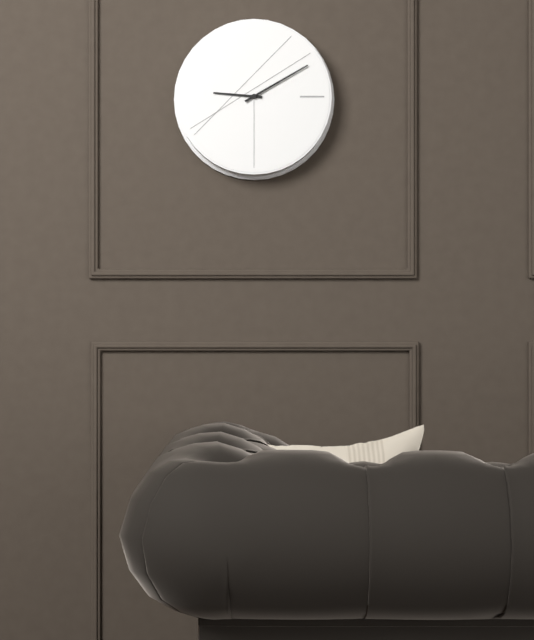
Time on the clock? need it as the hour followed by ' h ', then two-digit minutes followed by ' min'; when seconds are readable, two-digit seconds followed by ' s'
9 h 10 min
